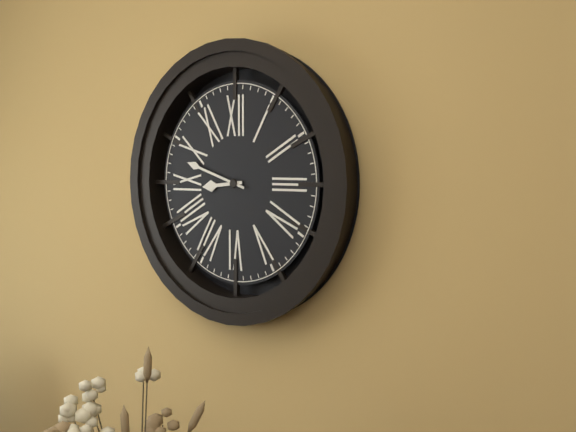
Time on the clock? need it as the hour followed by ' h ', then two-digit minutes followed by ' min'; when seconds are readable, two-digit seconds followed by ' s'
8 h 48 min
